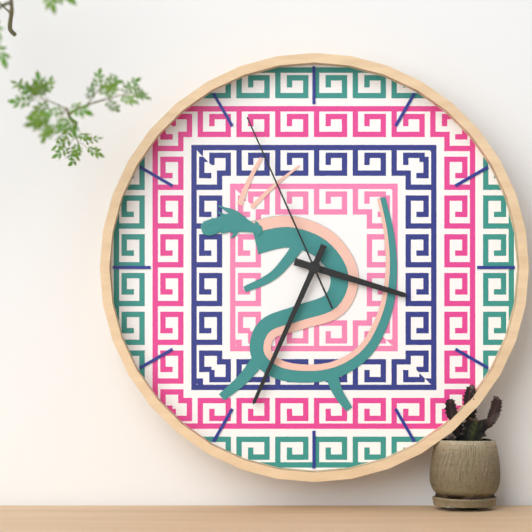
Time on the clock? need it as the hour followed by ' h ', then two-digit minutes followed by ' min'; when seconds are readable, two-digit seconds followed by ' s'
3 h 34 min 56 s
